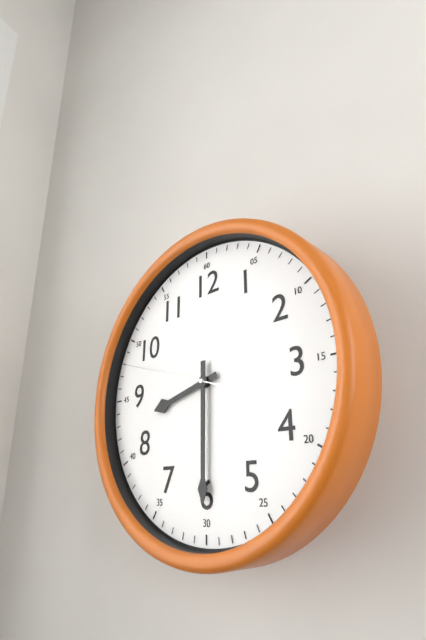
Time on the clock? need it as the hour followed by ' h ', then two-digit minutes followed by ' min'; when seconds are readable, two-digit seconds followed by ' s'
8 h 30 min 48 s
